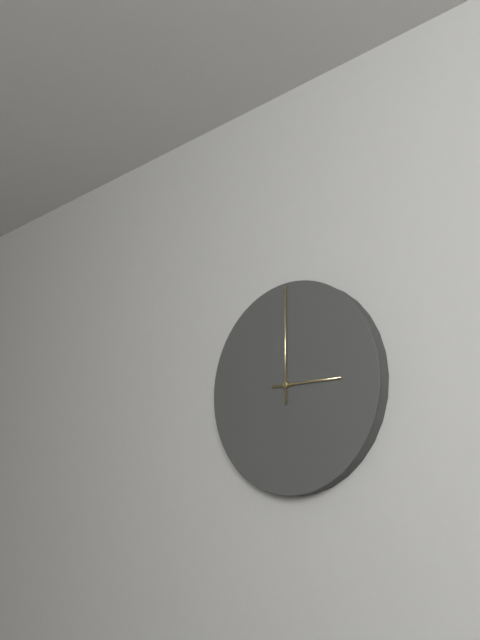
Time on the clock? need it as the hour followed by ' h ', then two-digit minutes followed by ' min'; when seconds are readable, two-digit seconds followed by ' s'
3 h 00 min
